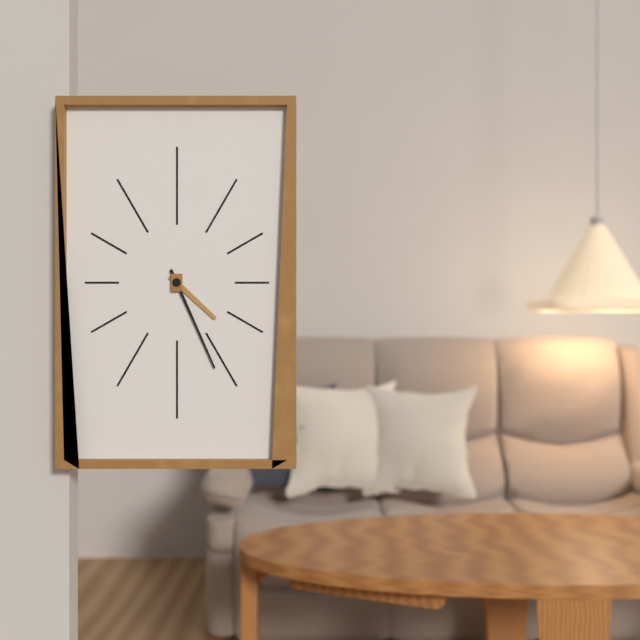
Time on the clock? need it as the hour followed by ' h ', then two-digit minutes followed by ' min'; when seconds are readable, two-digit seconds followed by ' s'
4 h 26 min
